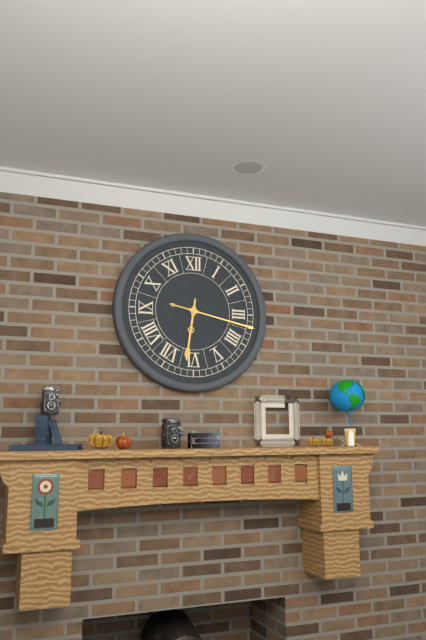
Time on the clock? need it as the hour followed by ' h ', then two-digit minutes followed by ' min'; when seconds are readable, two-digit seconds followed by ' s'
6 h 17 min
